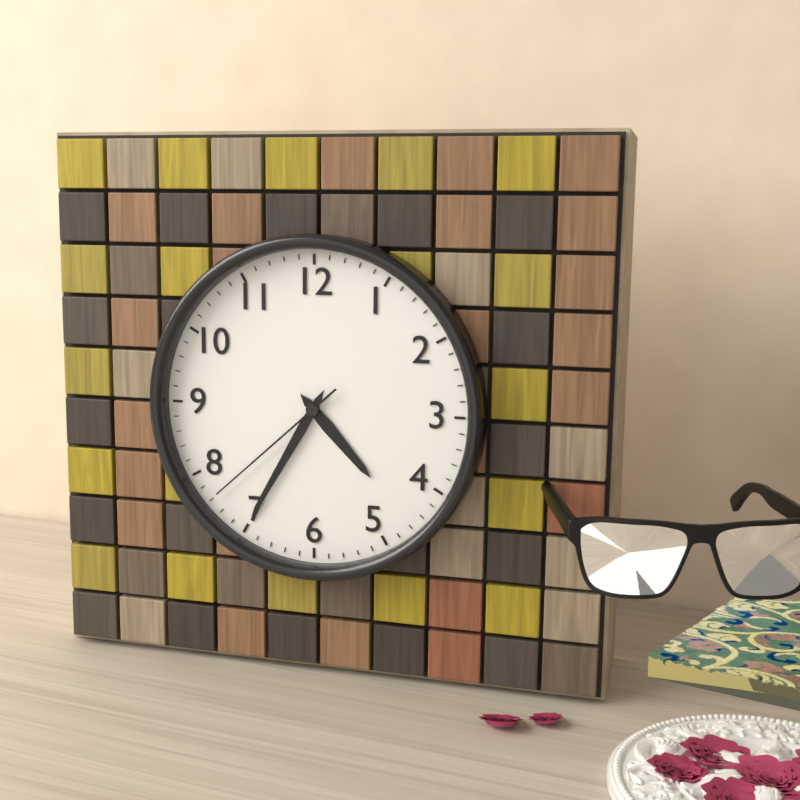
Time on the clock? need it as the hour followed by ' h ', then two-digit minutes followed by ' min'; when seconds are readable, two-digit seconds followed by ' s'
4 h 35 min 38 s
